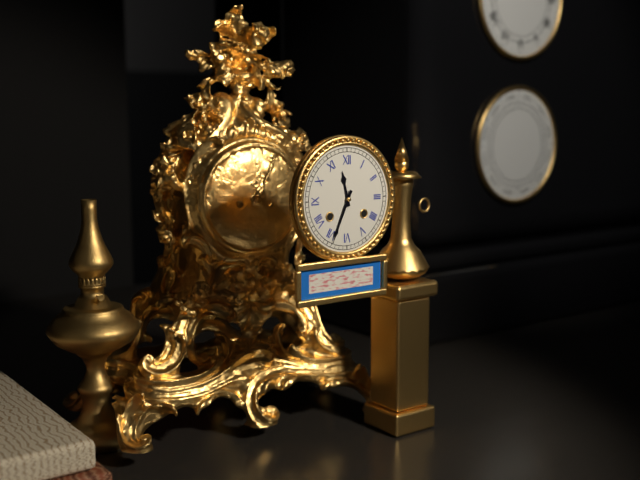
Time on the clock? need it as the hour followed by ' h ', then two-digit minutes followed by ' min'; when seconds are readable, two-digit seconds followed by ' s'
11 h 34 min
